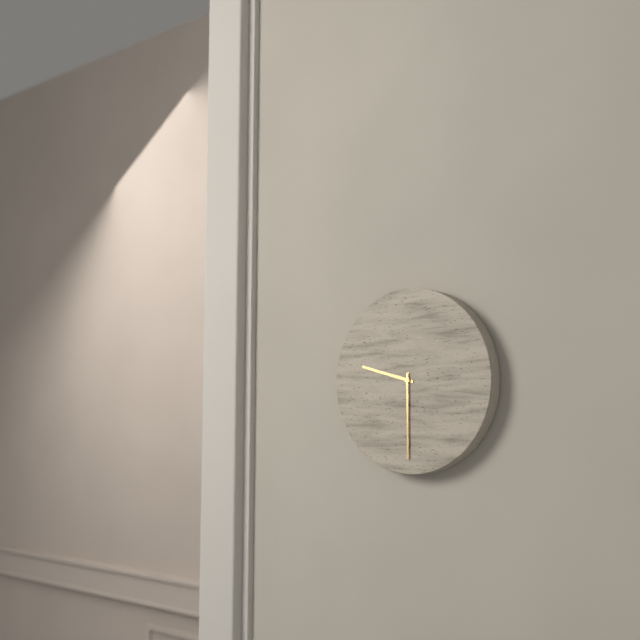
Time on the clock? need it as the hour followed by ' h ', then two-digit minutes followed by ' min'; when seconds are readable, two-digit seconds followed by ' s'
9 h 30 min
